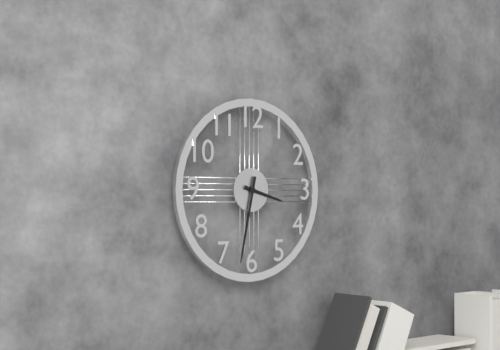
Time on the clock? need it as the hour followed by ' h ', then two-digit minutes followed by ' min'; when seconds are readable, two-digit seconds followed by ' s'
3 h 32 min
